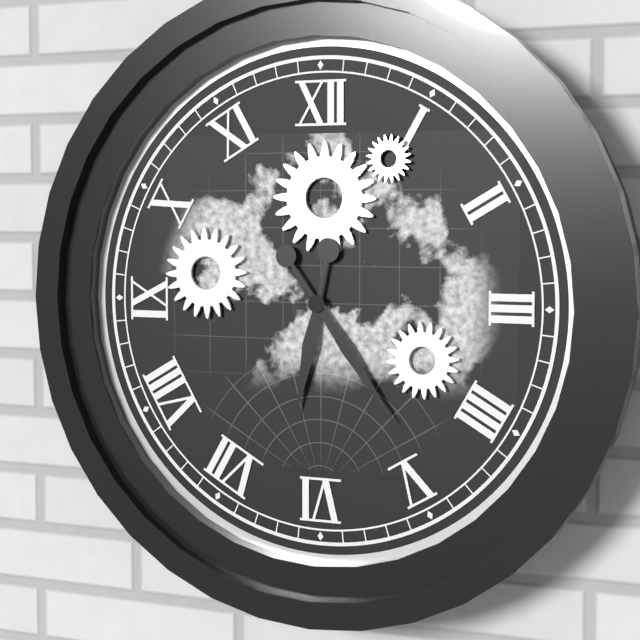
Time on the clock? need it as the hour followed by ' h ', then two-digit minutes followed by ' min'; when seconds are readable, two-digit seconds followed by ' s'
6 h 24 min
